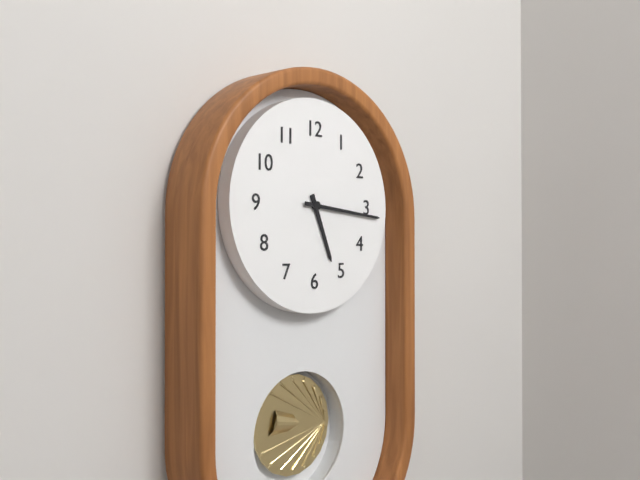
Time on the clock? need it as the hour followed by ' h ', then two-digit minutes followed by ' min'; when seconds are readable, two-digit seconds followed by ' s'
5 h 16 min
